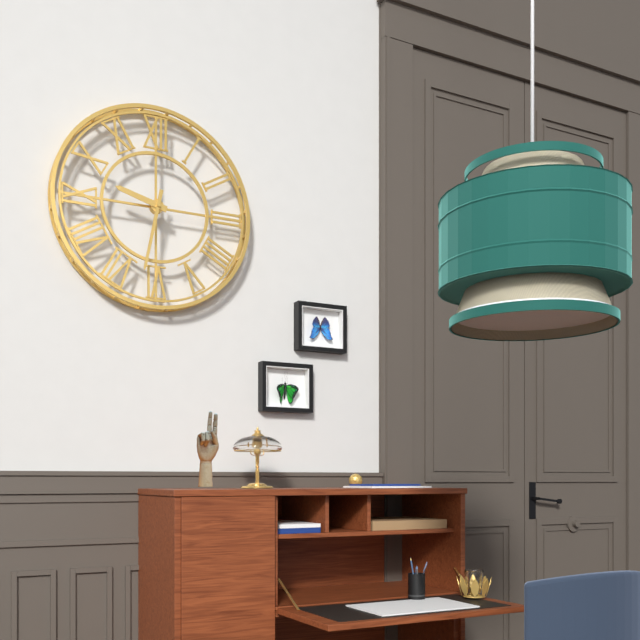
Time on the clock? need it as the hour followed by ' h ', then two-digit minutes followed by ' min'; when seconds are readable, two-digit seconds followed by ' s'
9 h 32 min
